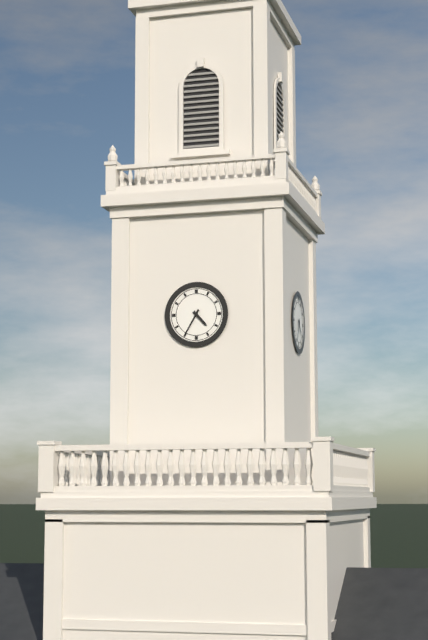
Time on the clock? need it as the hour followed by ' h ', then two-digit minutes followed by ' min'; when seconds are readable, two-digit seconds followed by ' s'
4 h 35 min
